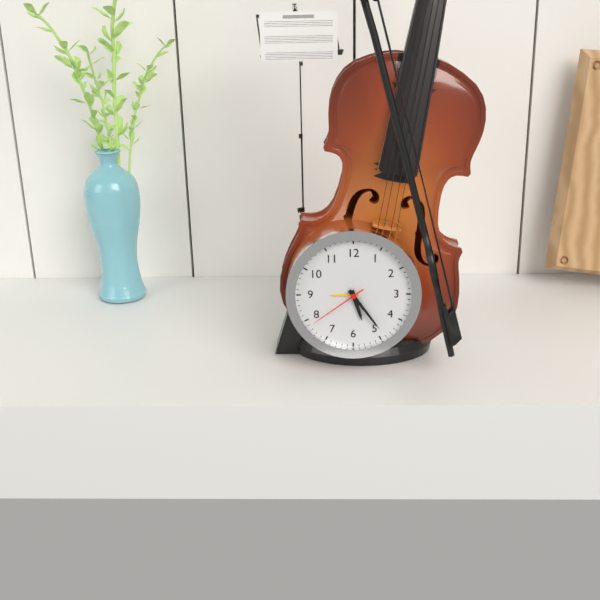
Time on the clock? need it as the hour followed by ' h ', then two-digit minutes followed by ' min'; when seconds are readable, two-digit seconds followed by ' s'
5 h 24 min 39 s
